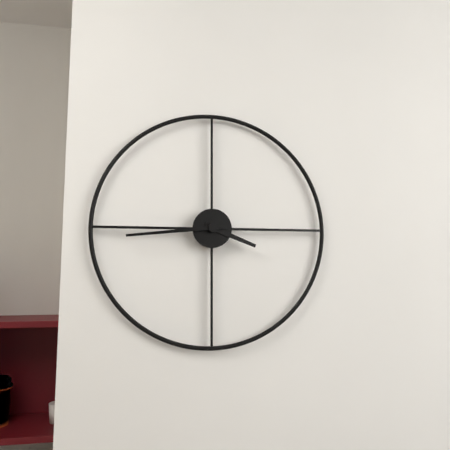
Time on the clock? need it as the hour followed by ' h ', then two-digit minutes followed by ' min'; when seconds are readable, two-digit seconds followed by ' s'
3 h 44 min
